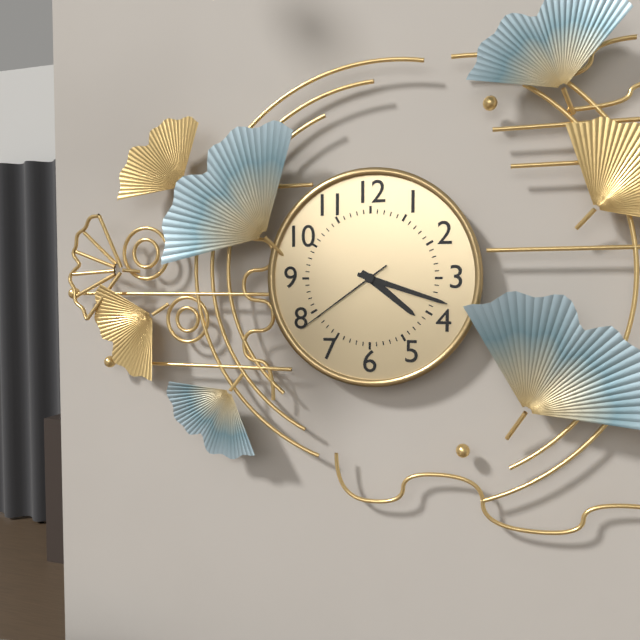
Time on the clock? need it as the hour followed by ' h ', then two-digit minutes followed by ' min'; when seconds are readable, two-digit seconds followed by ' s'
4 h 18 min 39 s
